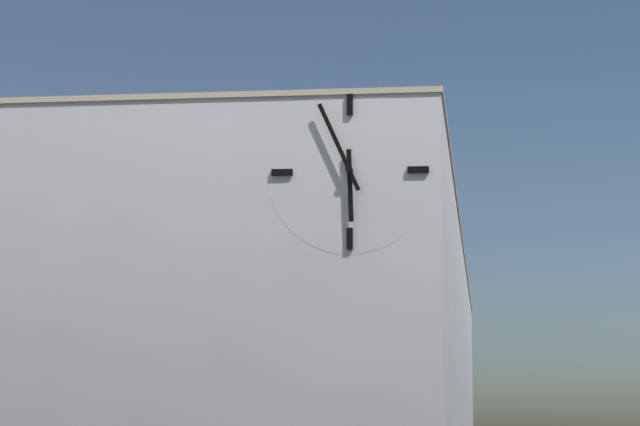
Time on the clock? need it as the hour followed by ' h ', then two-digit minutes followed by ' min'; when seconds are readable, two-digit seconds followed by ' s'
5 h 56 min
